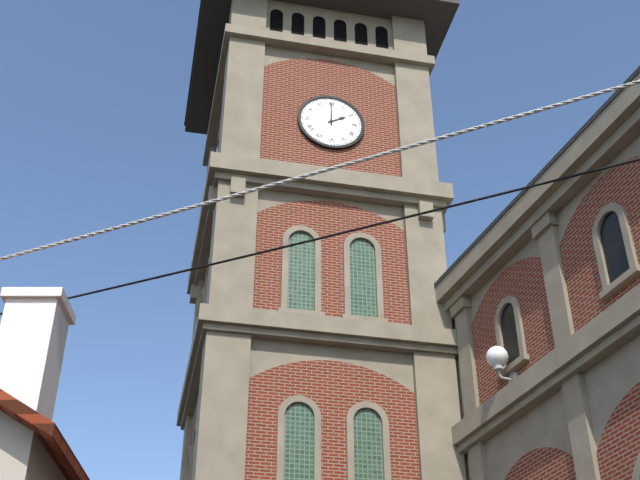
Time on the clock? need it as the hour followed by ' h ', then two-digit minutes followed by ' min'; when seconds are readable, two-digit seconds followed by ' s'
2 h 00 min
